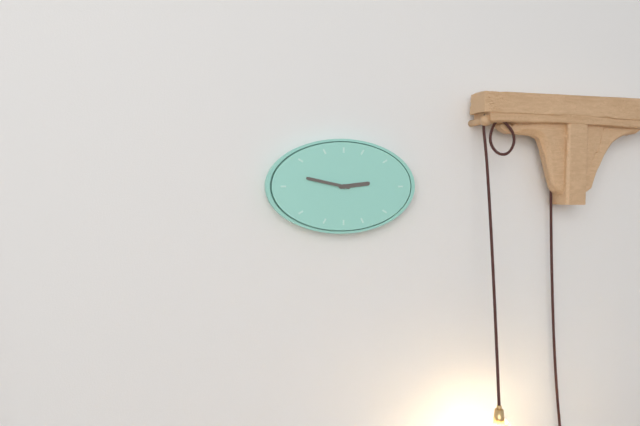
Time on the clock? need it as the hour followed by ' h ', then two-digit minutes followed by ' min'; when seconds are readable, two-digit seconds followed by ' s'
2 h 47 min
